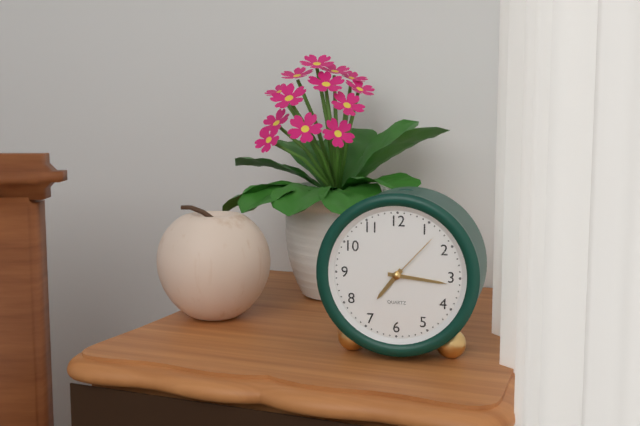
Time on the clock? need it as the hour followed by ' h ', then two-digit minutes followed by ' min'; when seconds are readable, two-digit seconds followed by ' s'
7 h 16 min 07 s
